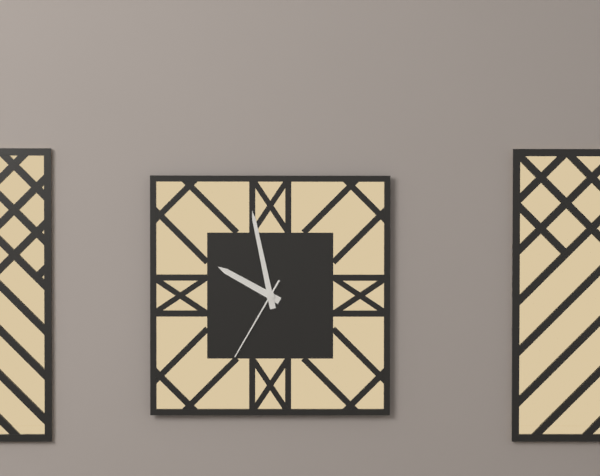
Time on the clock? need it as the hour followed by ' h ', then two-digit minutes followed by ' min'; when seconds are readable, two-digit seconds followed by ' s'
9 h 58 min 35 s
